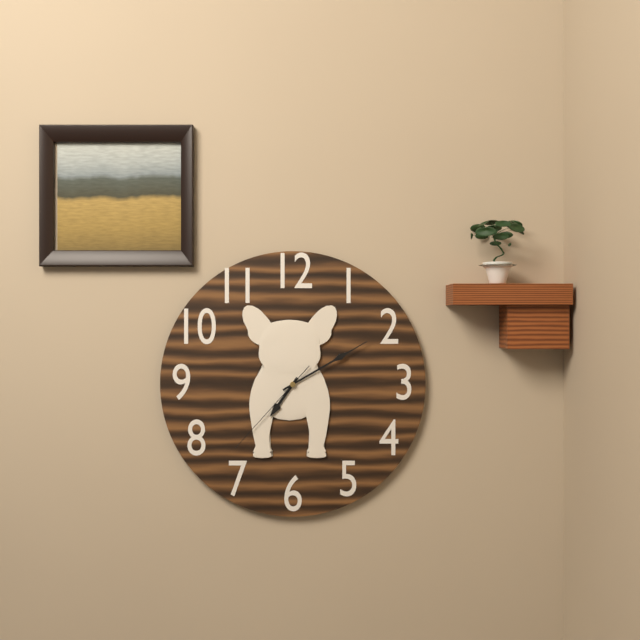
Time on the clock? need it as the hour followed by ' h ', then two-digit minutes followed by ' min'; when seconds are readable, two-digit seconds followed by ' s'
7 h 10 min 37 s
